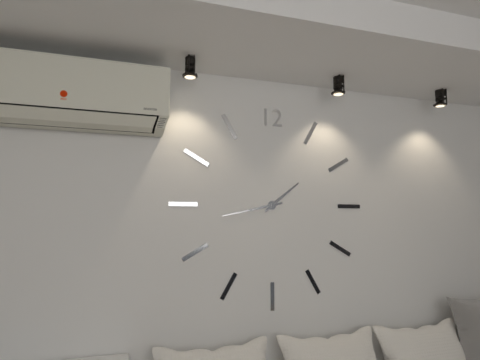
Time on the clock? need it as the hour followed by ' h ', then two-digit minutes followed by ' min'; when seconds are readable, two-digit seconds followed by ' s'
1 h 43 min
